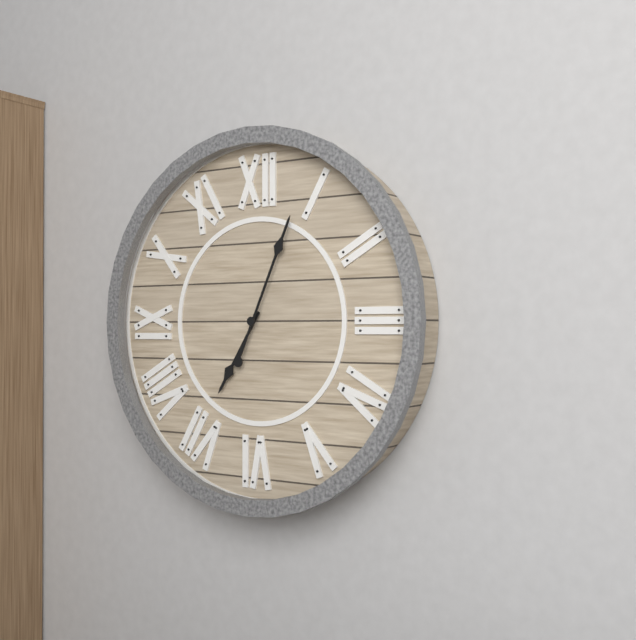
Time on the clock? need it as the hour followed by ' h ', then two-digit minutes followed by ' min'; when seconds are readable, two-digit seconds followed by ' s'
7 h 04 min
